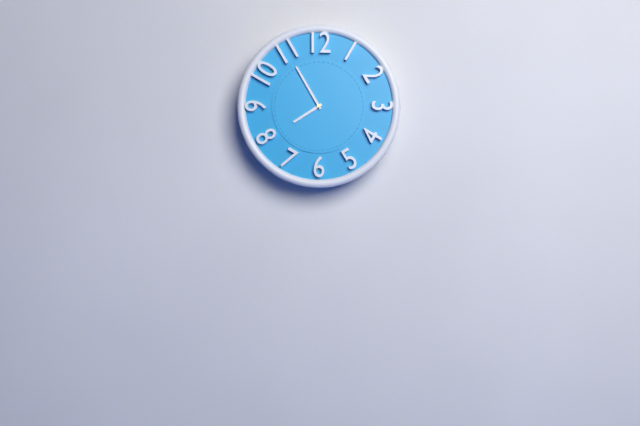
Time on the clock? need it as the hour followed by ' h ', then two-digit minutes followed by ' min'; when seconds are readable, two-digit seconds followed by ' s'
7 h 55 min
